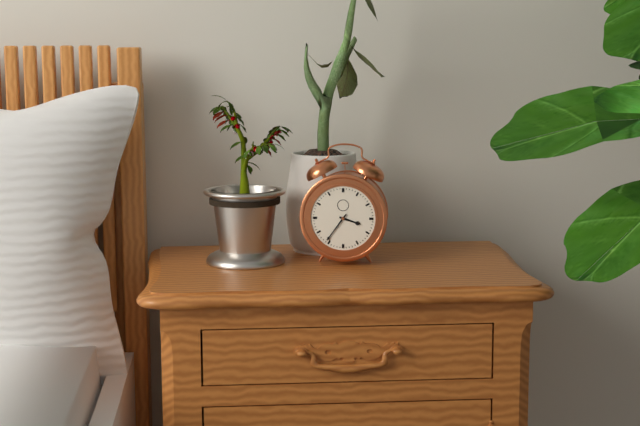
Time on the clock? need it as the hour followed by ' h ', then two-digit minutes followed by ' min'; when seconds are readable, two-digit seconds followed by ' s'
3 h 36 min
